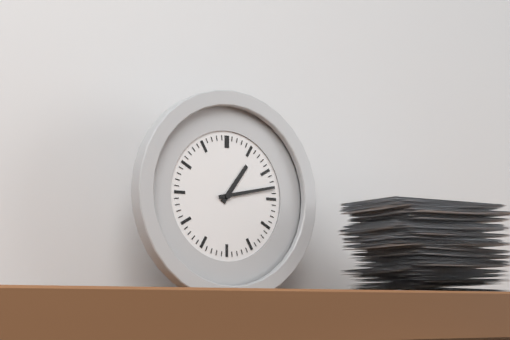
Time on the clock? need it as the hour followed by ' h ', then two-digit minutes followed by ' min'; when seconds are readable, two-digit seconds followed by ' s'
1 h 13 min
